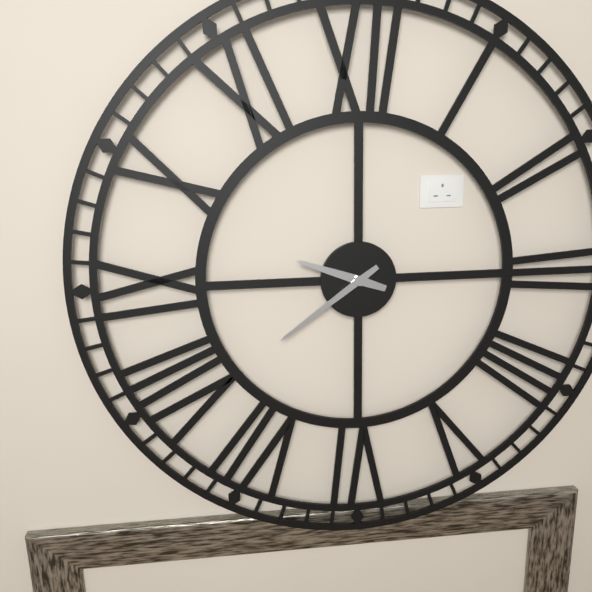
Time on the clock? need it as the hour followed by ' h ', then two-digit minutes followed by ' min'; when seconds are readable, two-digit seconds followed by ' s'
9 h 39 min
